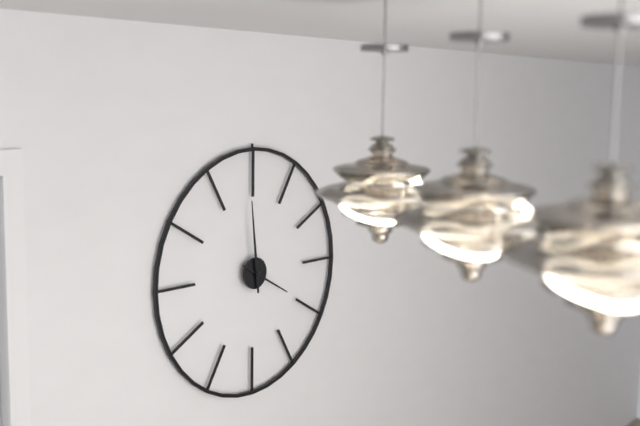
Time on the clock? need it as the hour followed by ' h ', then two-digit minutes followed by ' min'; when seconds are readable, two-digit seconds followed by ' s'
3 h 59 min
